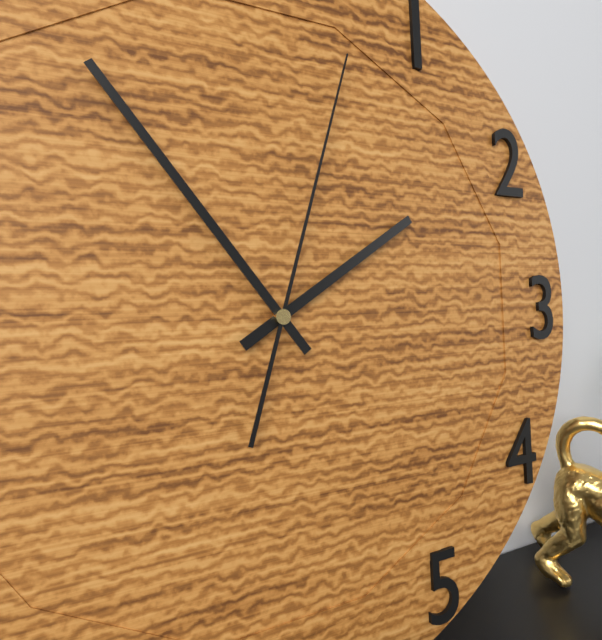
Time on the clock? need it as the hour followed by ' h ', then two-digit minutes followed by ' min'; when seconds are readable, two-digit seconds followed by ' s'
1 h 54 min 03 s
